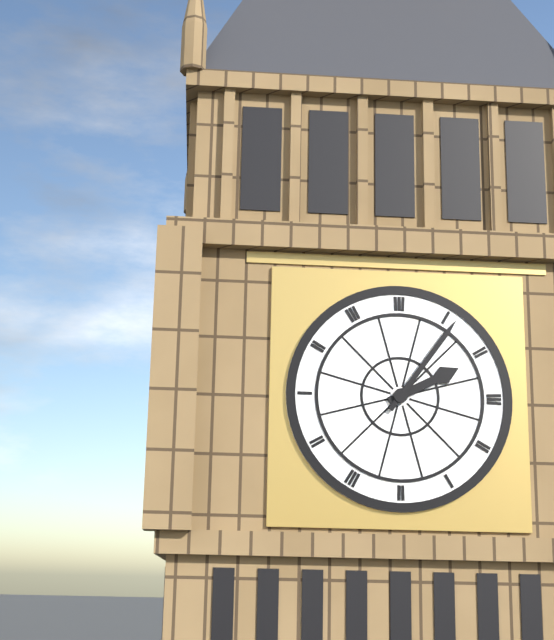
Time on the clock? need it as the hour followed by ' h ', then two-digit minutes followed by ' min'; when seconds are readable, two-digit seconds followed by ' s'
2 h 06 min
